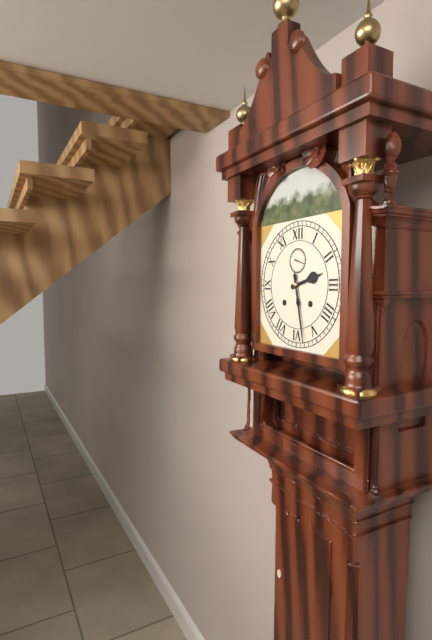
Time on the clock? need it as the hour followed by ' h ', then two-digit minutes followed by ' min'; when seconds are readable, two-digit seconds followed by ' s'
2 h 28 min
